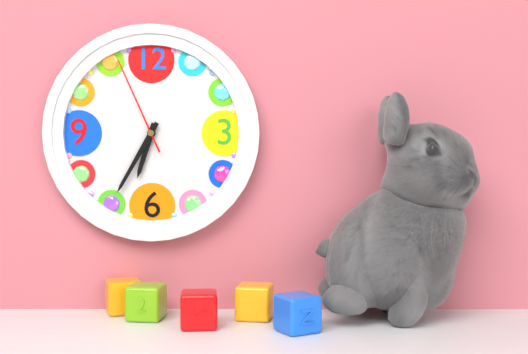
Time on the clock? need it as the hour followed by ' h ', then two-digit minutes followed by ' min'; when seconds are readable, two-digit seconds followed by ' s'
6 h 35 min 56 s
